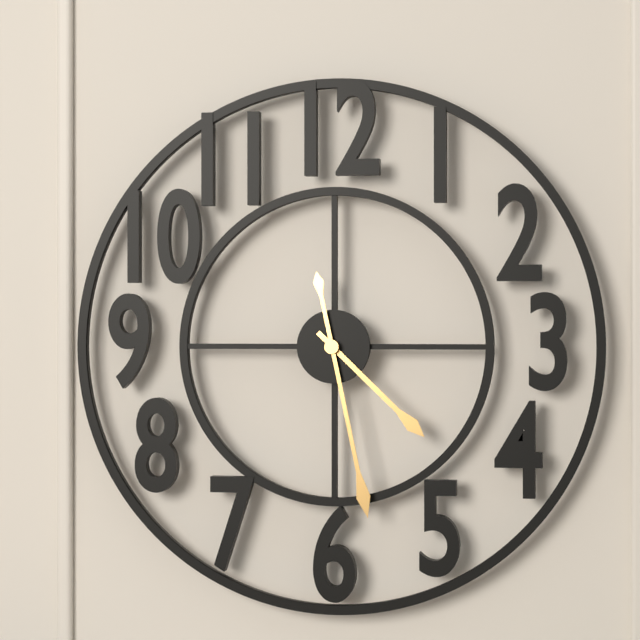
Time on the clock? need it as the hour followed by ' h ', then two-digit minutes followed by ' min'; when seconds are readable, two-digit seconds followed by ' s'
4 h 28 min
